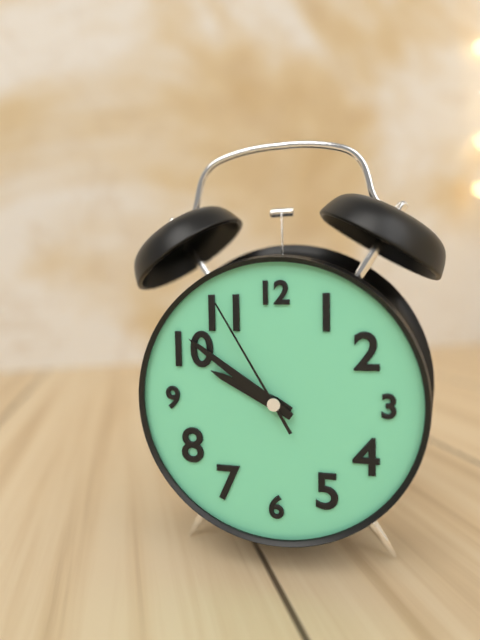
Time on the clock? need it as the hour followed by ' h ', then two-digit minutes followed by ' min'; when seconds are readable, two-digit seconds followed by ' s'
9 h 51 min 55 s
